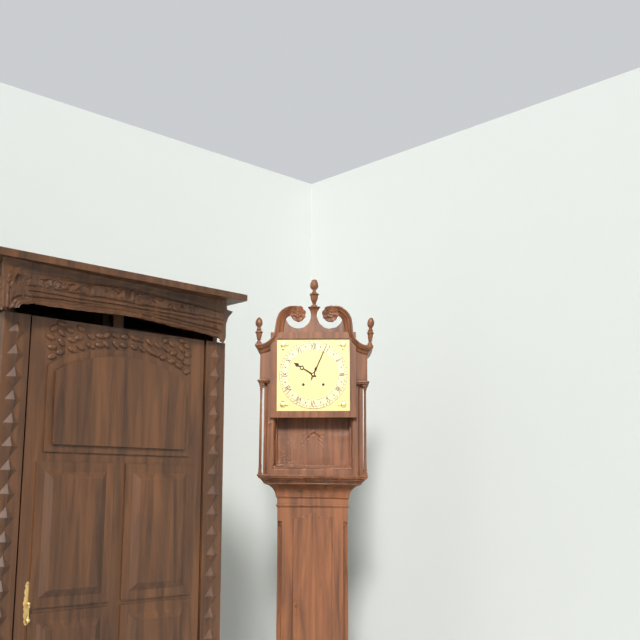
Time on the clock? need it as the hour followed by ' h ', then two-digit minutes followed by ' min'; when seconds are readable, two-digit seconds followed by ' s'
10 h 04 min
